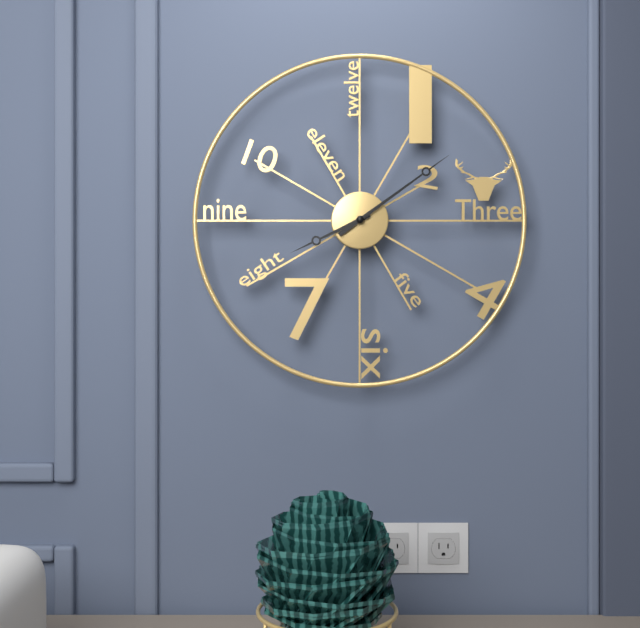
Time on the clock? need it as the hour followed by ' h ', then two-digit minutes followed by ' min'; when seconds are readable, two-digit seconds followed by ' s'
8 h 09 min
